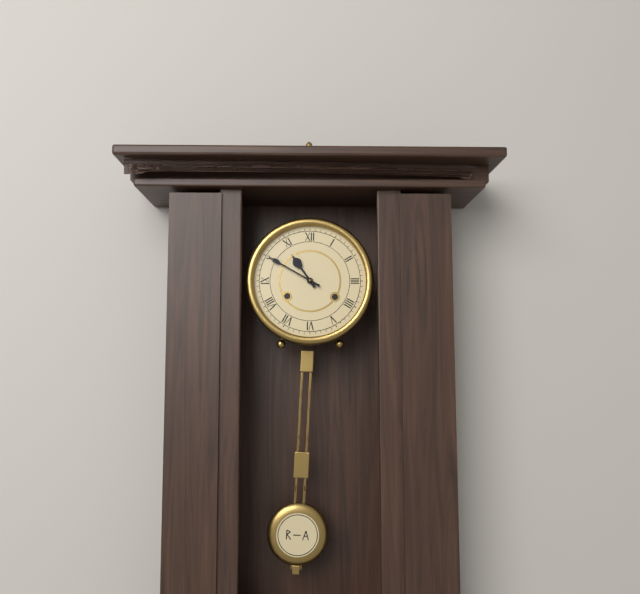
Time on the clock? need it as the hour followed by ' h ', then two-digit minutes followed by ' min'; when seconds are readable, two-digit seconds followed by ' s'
10 h 50 min
